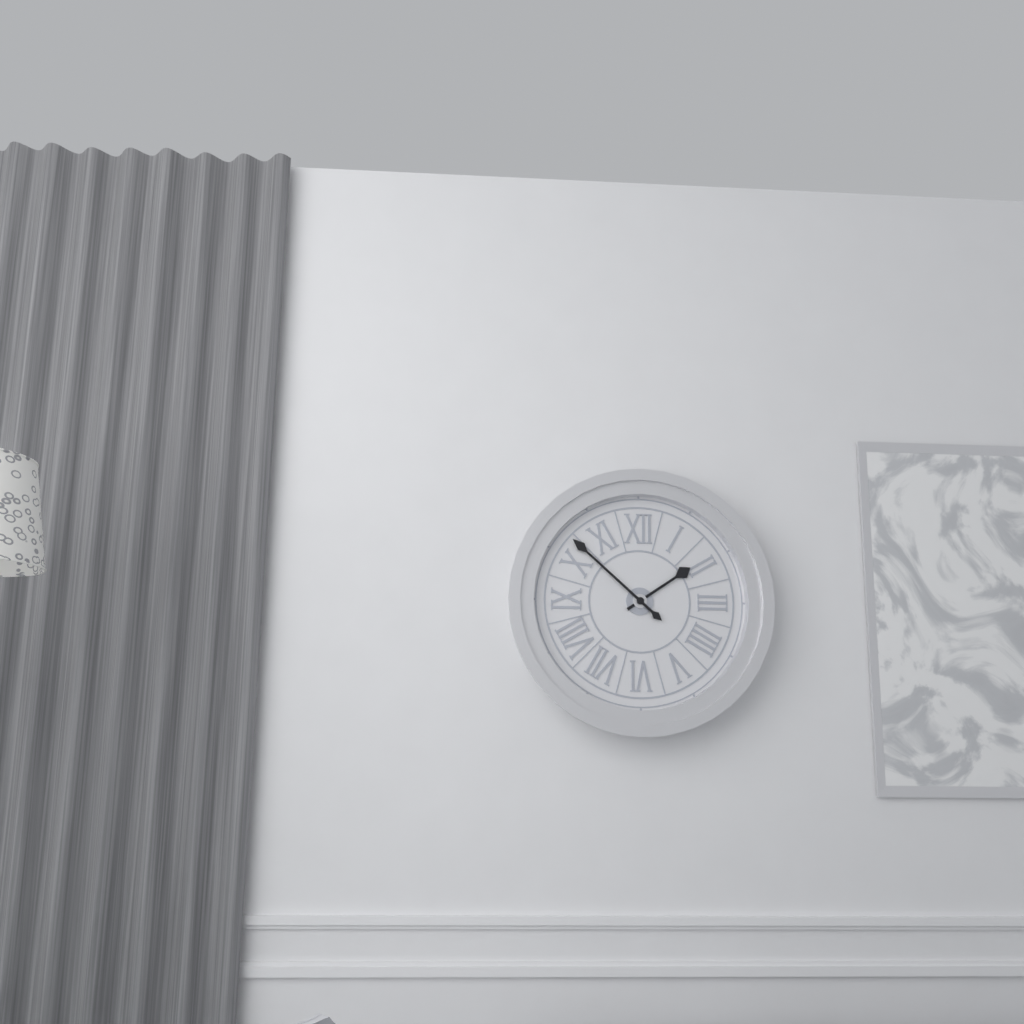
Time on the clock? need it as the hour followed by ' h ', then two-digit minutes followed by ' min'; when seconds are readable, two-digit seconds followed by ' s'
1 h 52 min
